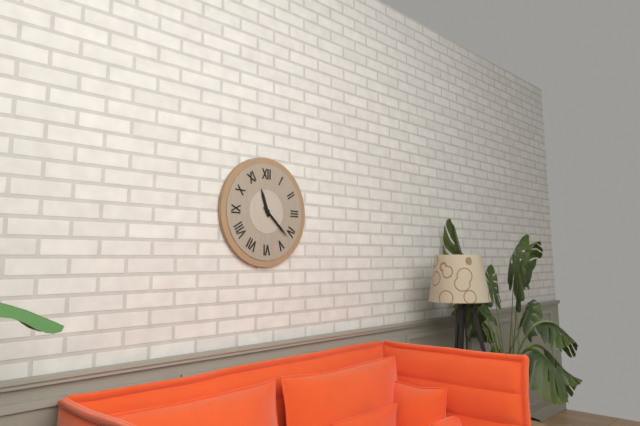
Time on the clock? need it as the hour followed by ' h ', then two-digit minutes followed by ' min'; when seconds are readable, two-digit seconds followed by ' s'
11 h 22 min
